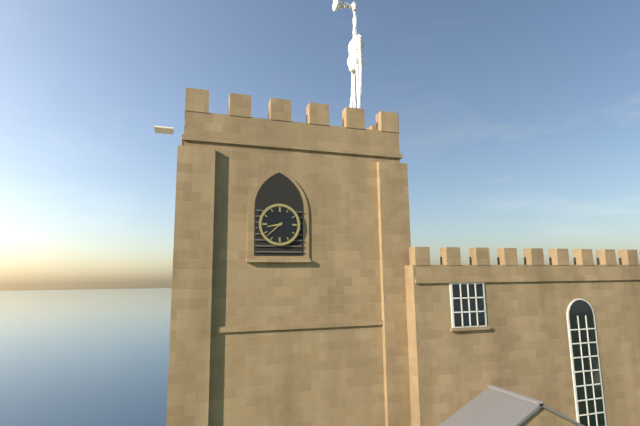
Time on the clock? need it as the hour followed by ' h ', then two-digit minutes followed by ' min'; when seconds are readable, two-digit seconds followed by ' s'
8 h 38 min
